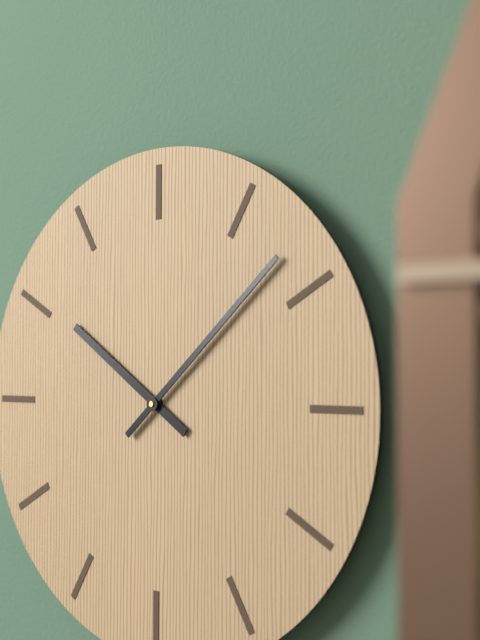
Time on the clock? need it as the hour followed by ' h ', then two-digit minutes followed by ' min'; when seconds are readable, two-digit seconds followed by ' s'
10 h 08 min
